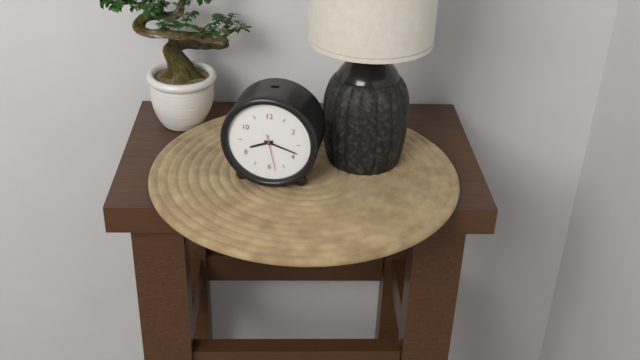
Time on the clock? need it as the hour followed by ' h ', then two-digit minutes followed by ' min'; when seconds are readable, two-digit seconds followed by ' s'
8 h 18 min
